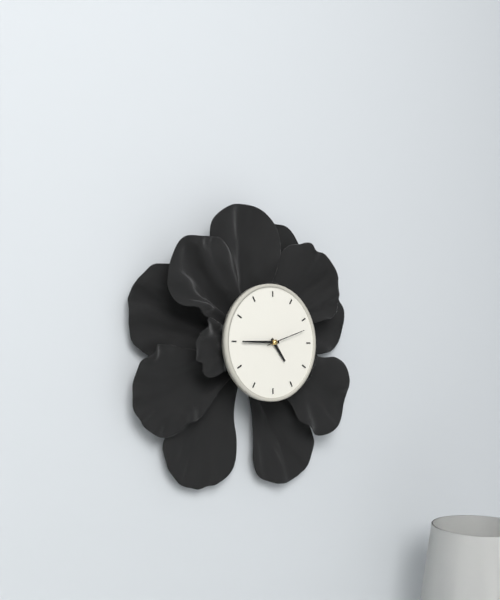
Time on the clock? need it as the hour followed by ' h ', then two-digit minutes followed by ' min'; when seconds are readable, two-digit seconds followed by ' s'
4 h 45 min
